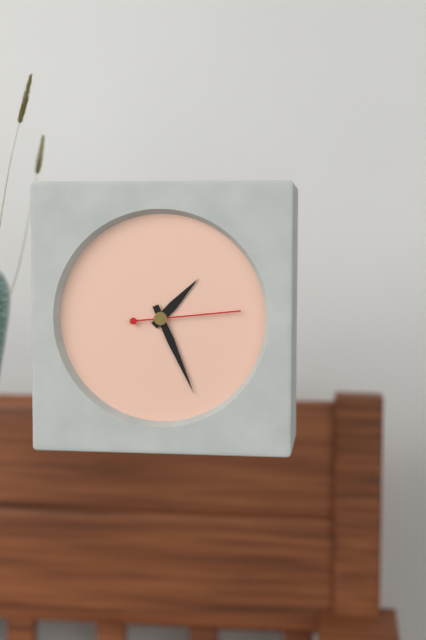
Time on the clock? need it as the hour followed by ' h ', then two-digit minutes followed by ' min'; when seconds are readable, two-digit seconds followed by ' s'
1 h 26 min 14 s
